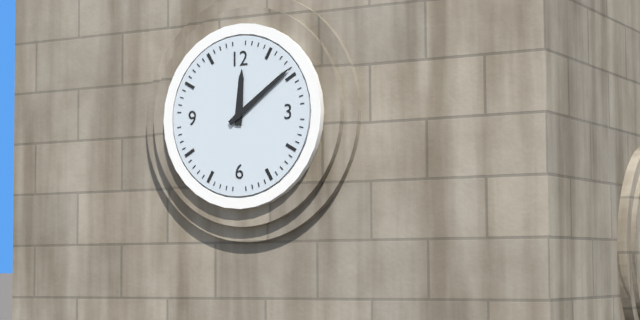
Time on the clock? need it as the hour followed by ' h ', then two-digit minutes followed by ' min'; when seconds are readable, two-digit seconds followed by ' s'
12 h 09 min
